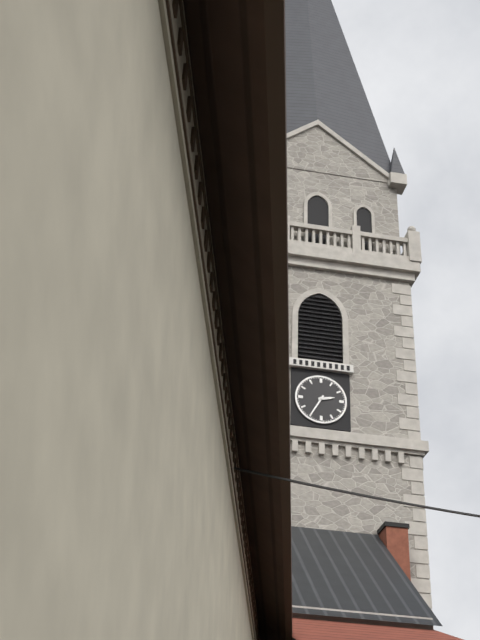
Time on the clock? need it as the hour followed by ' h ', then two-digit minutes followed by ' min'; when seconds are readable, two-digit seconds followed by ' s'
2 h 35 min
